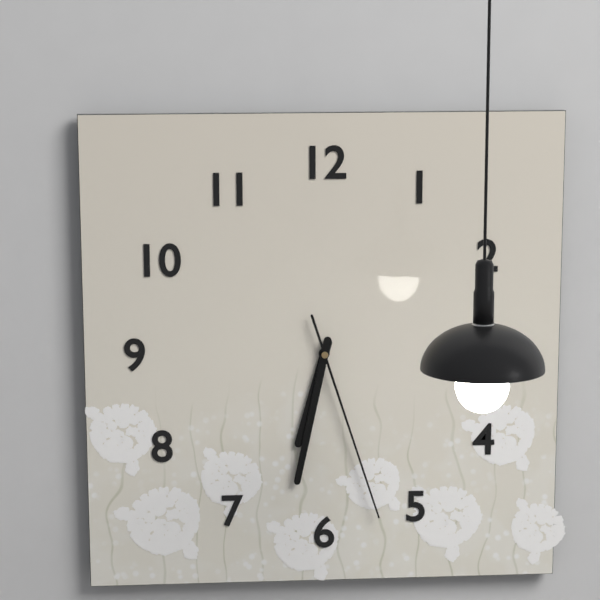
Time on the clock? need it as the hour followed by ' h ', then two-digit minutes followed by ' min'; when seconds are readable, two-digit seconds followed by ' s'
6 h 32 min 27 s
